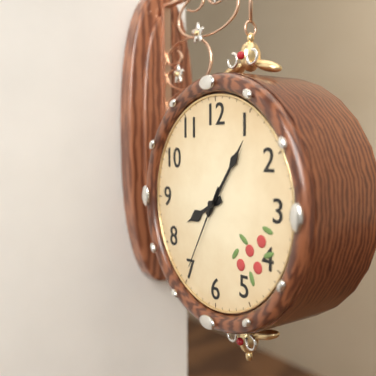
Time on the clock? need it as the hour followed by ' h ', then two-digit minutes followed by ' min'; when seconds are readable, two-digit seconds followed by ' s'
8 h 06 min 35 s
